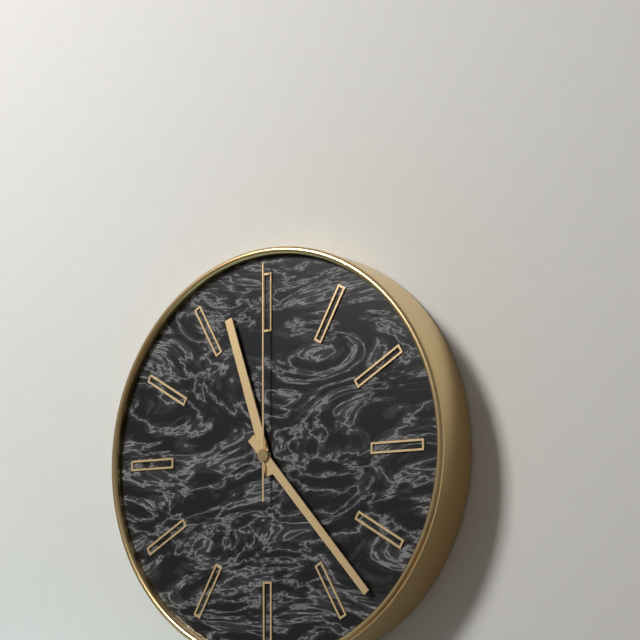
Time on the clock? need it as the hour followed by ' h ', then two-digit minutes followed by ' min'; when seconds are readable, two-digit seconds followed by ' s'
11 h 23 min 00 s
